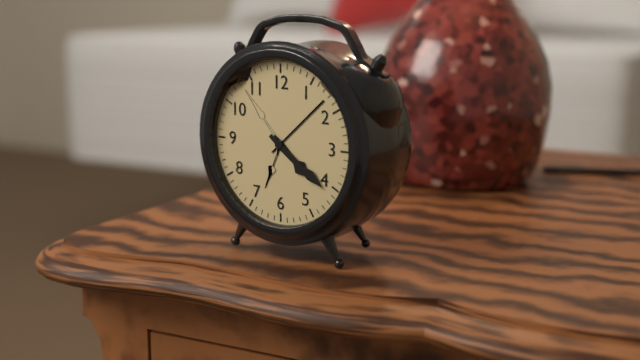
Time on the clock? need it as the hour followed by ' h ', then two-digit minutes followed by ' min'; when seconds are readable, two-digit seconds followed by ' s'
4 h 21 min
